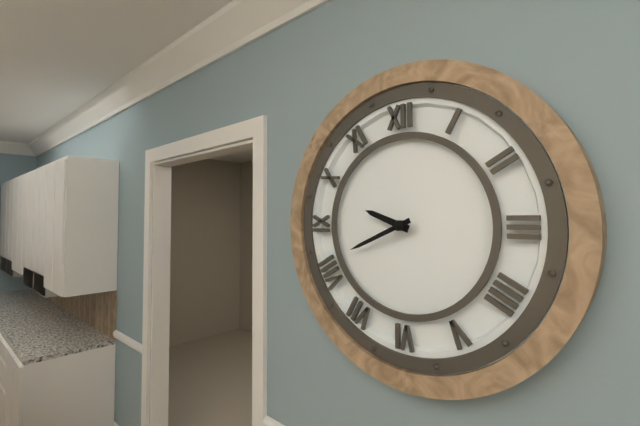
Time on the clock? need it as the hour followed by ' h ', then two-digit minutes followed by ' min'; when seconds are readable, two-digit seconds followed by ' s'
9 h 41 min
